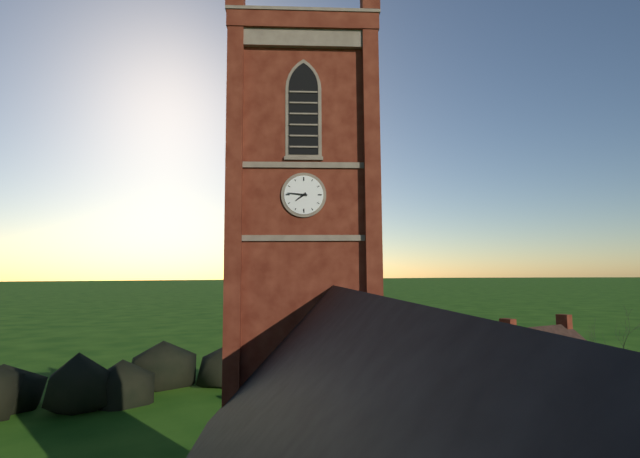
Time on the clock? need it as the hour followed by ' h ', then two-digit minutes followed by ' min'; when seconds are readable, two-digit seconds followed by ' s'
7 h 46 min
